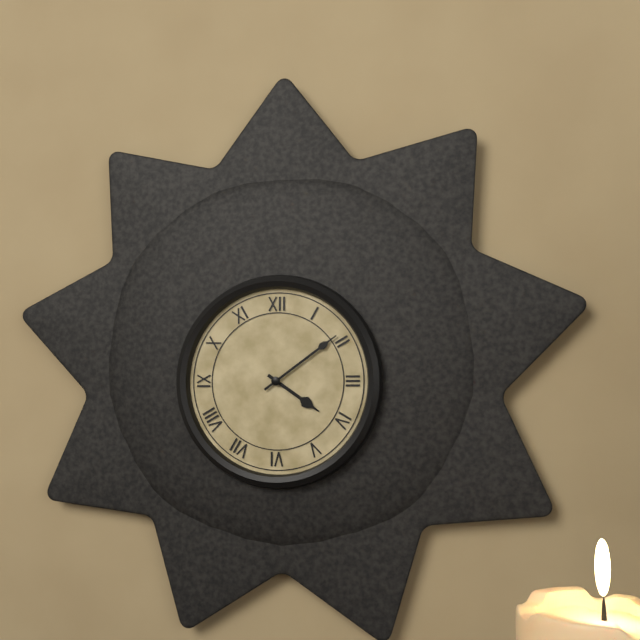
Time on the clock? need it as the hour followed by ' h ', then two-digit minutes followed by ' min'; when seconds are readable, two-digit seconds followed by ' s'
4 h 09 min
